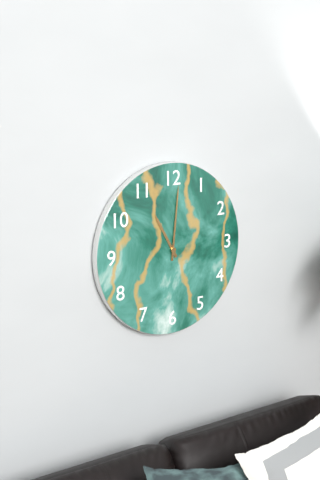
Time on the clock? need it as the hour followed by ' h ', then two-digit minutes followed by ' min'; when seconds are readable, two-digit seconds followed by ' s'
11 h 01 min
